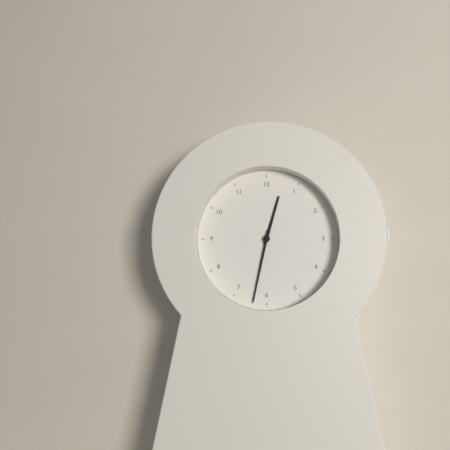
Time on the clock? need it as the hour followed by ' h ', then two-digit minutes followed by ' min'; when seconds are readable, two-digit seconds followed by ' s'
12 h 32 min
